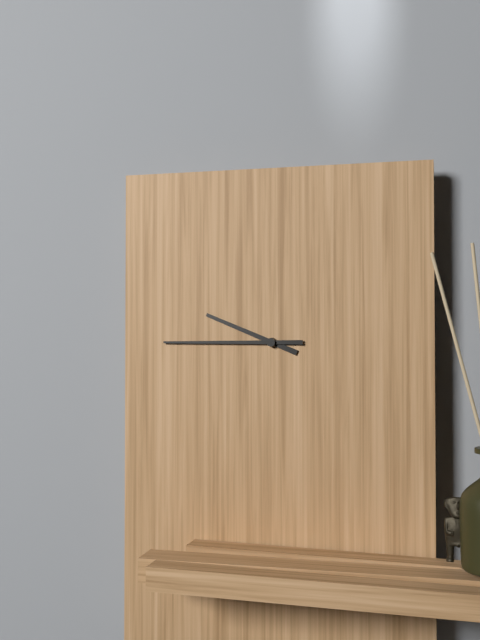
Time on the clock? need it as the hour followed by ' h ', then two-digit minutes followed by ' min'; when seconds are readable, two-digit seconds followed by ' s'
9 h 45 min
